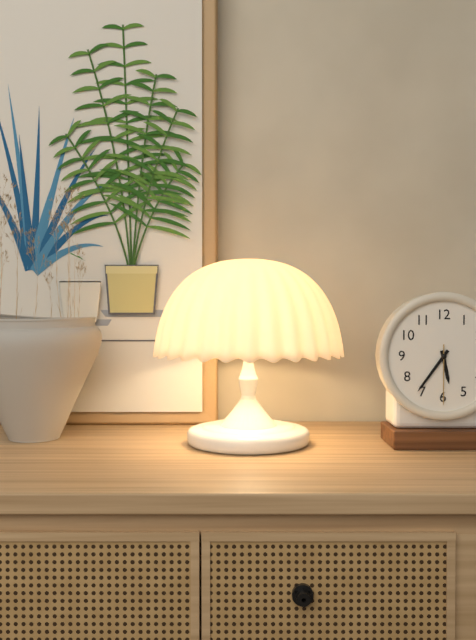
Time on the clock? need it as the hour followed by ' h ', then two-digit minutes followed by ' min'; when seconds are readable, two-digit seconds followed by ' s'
5 h 36 min 30 s
